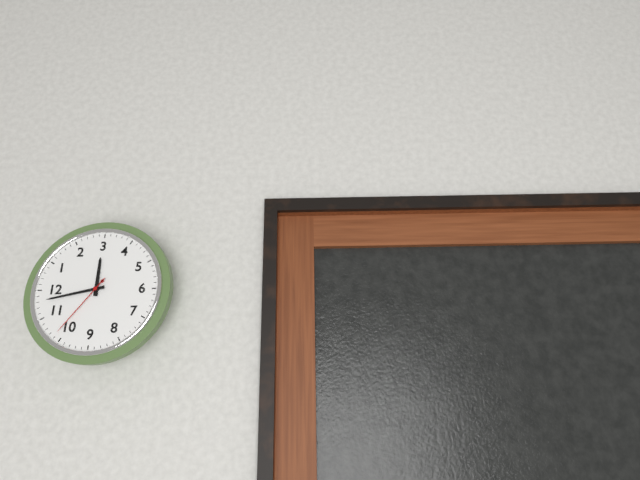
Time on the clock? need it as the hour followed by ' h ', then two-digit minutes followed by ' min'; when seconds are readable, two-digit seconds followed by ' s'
2 h 58 min 51 s
